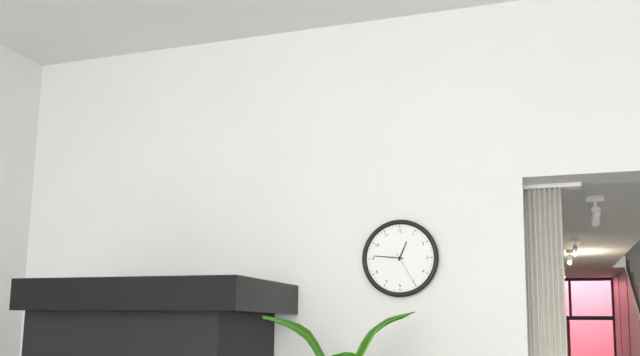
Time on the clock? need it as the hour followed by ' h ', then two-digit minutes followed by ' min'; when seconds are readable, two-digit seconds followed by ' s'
12 h 46 min
